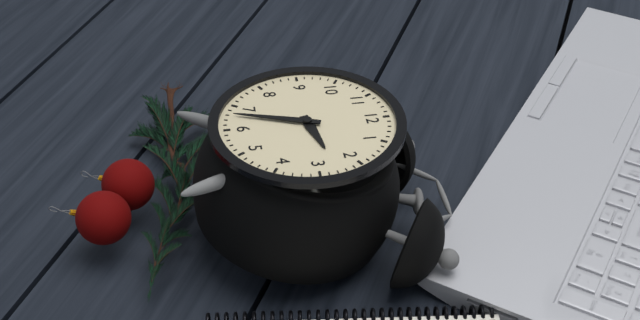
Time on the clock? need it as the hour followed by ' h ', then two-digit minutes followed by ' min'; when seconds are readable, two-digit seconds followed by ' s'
2 h 33 min
